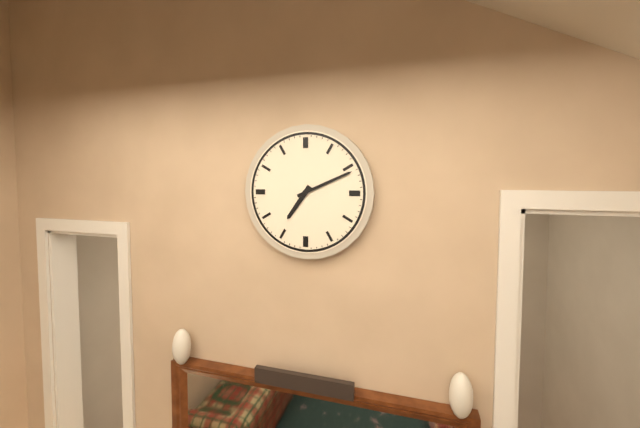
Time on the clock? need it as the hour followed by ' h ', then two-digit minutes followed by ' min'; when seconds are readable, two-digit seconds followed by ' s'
7 h 11 min
